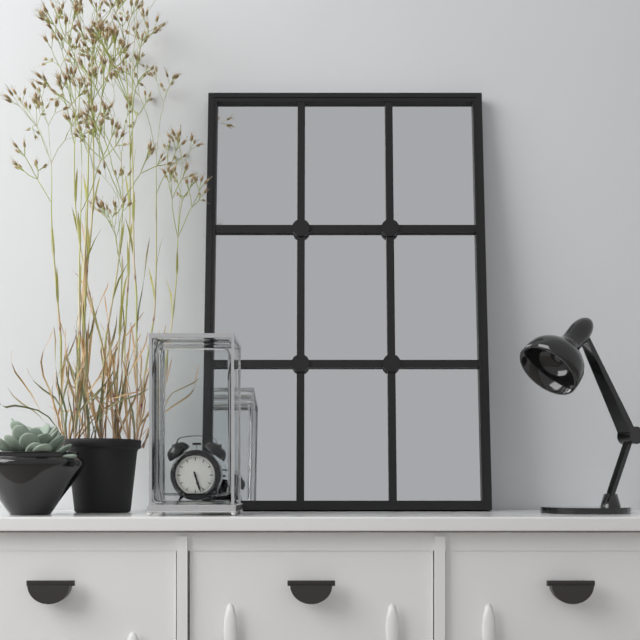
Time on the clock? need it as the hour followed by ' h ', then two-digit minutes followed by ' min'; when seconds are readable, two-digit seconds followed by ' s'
5 h 27 min
